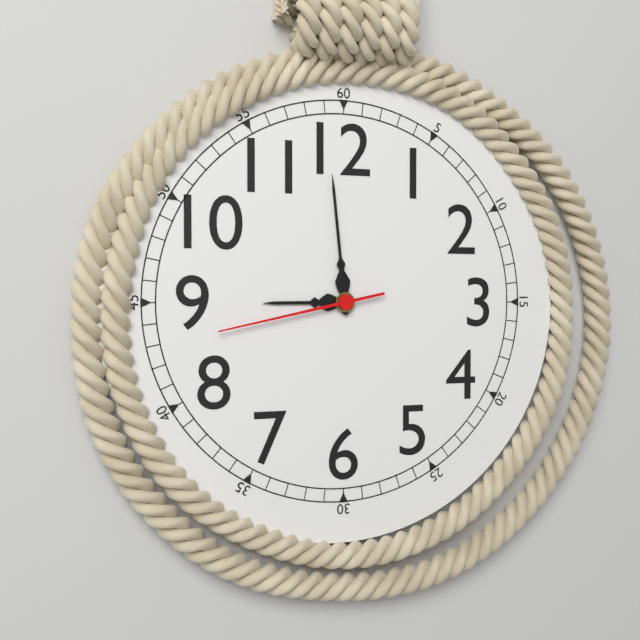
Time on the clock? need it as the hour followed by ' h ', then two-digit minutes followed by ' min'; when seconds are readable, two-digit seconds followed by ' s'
8 h 59 min 43 s
